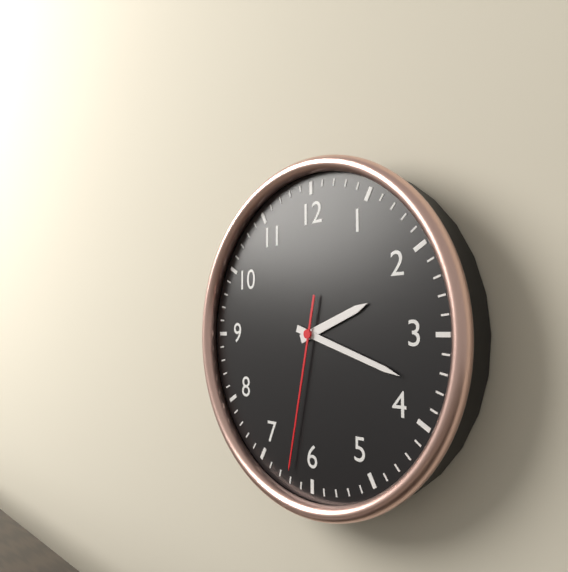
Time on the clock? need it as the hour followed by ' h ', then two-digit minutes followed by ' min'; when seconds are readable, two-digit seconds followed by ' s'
2 h 18 min 32 s
